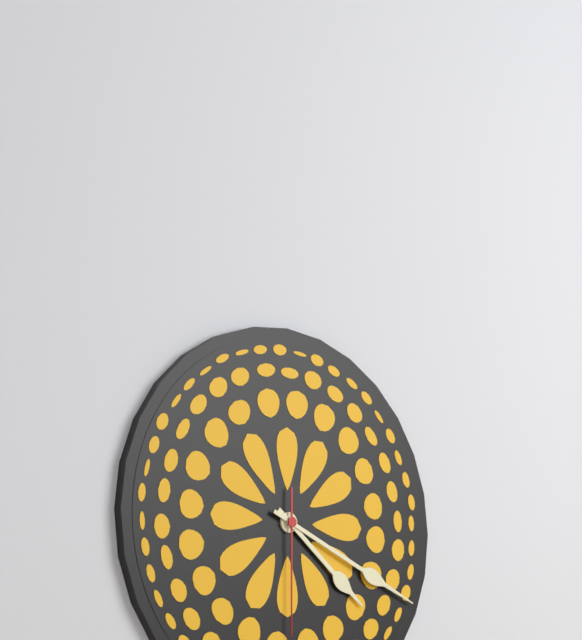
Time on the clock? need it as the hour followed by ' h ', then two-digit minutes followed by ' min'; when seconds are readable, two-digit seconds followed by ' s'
4 h 19 min 30 s
